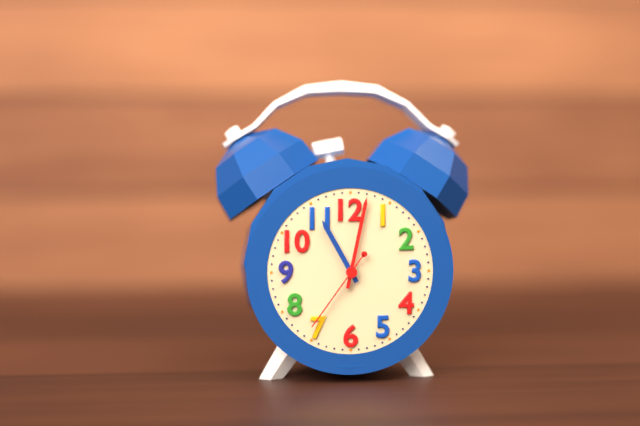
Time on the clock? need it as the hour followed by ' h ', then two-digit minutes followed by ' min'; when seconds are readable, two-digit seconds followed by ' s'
11 h 02 min 36 s
